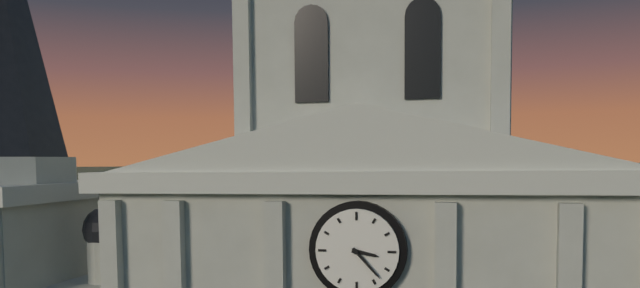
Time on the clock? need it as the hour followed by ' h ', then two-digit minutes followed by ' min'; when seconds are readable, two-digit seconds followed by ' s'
3 h 23 min
